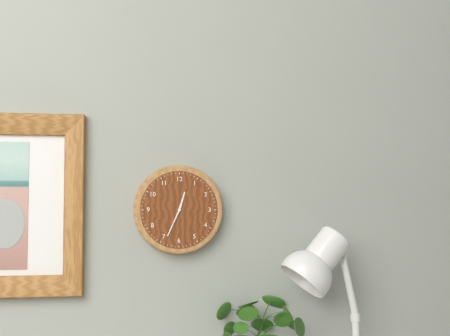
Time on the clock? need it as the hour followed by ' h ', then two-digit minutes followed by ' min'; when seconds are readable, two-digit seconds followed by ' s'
12 h 34 min
